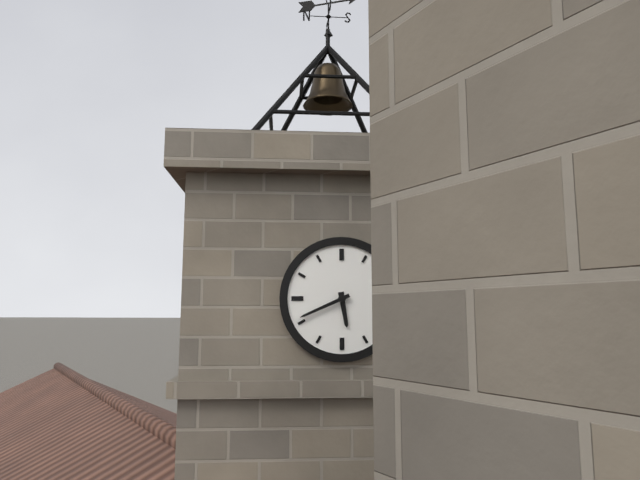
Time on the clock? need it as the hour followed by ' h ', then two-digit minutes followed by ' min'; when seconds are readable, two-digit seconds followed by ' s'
5 h 41 min
